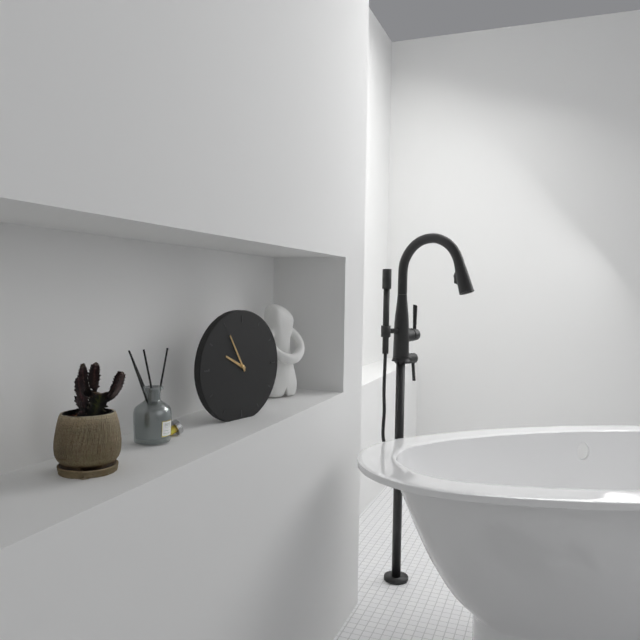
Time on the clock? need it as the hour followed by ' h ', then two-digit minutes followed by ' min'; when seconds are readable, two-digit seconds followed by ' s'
9 h 55 min
